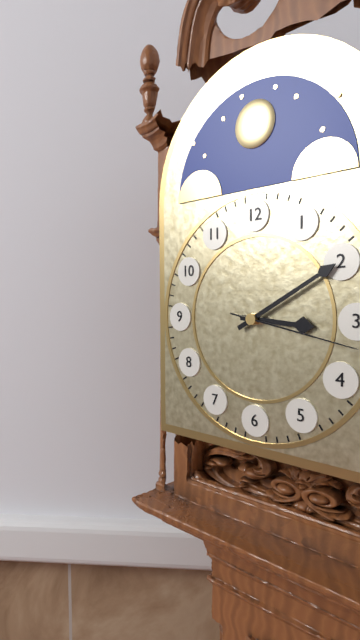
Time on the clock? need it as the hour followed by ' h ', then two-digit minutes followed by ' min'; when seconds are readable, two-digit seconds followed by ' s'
3 h 10 min 17 s
